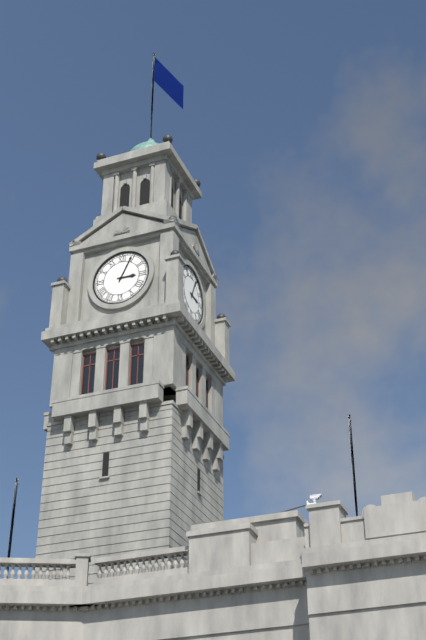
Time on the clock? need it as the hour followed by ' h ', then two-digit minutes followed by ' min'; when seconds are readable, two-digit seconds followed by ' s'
3 h 04 min
